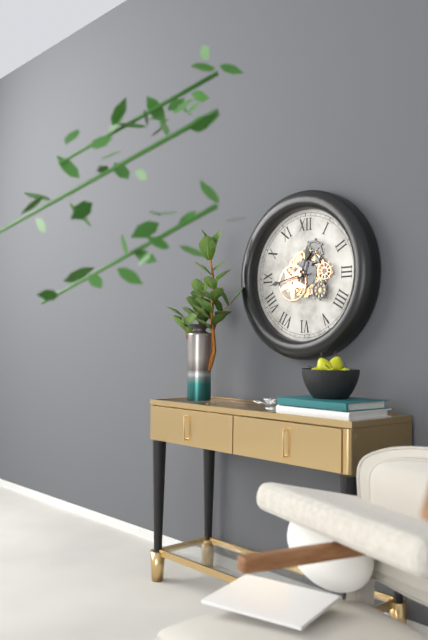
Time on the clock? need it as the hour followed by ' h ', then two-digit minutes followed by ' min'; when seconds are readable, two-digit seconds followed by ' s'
12 h 43 min
